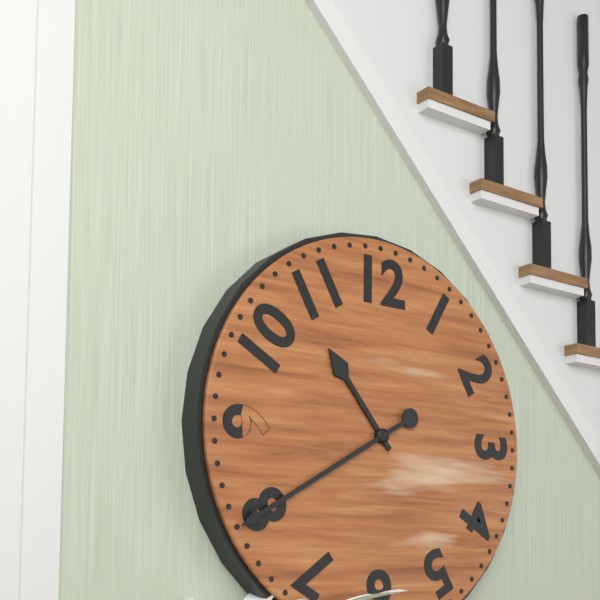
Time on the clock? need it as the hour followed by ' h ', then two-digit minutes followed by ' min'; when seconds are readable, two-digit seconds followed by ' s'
10 h 40 min
